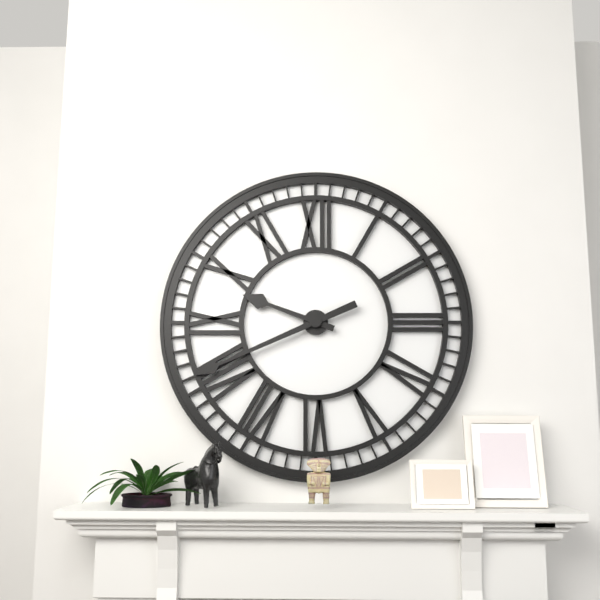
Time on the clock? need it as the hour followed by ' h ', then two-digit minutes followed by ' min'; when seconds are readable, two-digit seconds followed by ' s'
9 h 41 min
